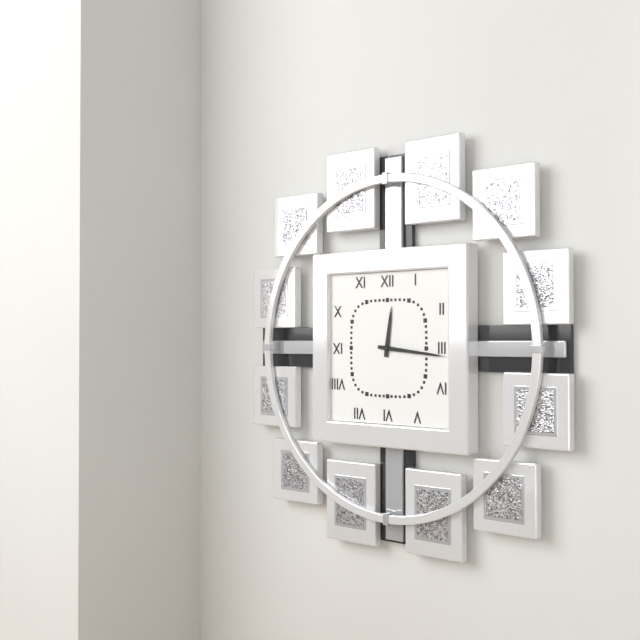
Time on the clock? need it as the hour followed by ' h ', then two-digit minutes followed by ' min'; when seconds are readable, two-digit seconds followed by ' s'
12 h 16 min
